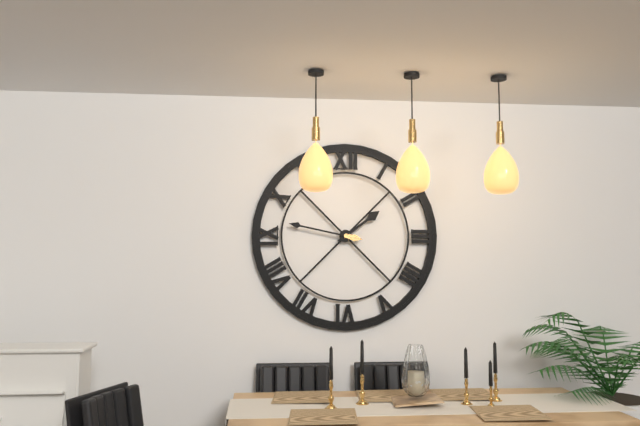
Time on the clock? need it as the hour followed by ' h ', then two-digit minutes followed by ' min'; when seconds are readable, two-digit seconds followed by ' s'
1 h 47 min
